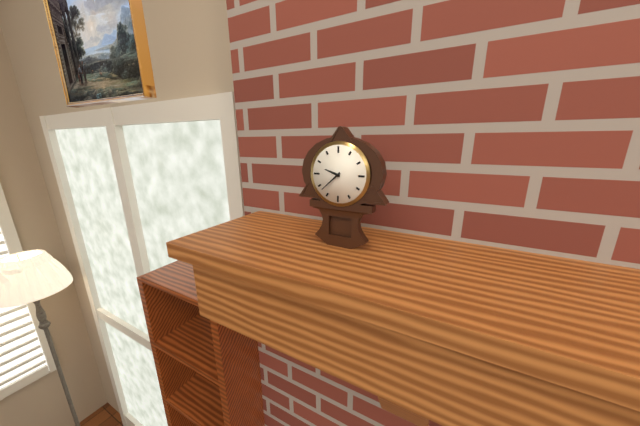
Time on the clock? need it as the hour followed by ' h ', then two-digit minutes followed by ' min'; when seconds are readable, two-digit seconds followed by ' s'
9 h 38 min
